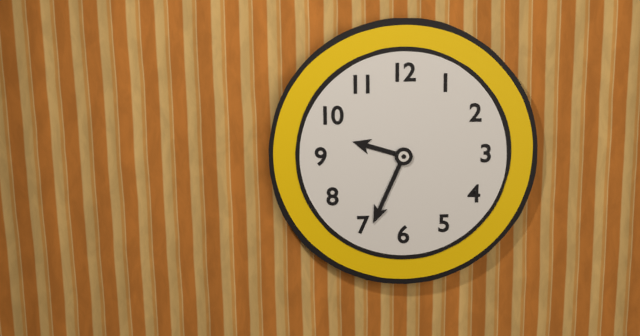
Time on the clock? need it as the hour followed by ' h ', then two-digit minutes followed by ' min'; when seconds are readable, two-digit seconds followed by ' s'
9 h 34 min
